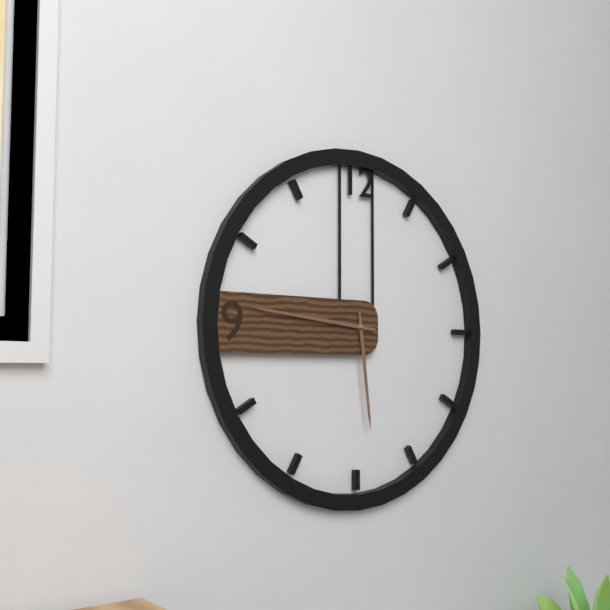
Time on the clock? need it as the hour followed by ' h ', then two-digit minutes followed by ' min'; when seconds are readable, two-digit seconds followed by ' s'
5 h 46 min
